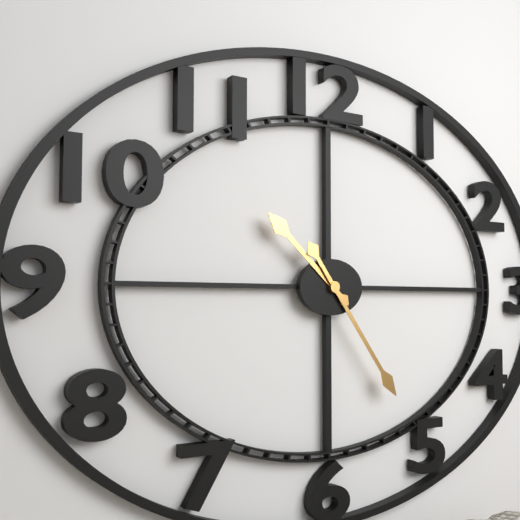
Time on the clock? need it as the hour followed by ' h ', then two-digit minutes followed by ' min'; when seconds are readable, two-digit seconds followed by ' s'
10 h 24 min
